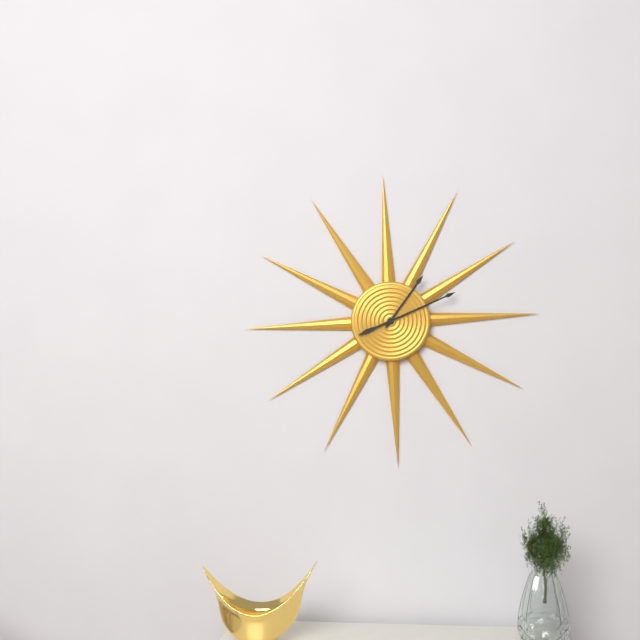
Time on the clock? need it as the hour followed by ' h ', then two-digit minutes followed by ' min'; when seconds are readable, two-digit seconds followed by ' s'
1 h 11 min
